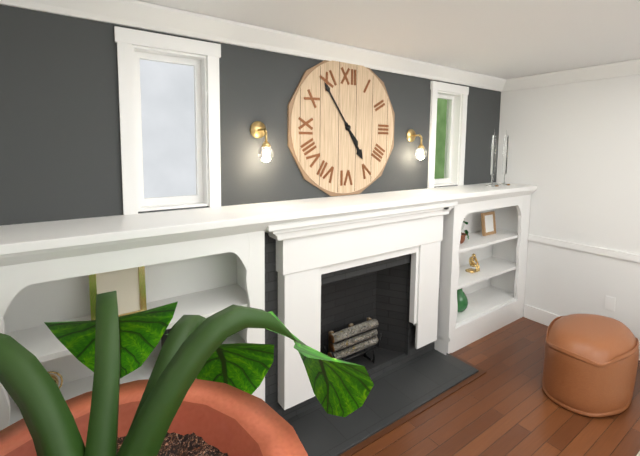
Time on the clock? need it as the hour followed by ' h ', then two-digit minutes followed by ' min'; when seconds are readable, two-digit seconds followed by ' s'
4 h 54 min
